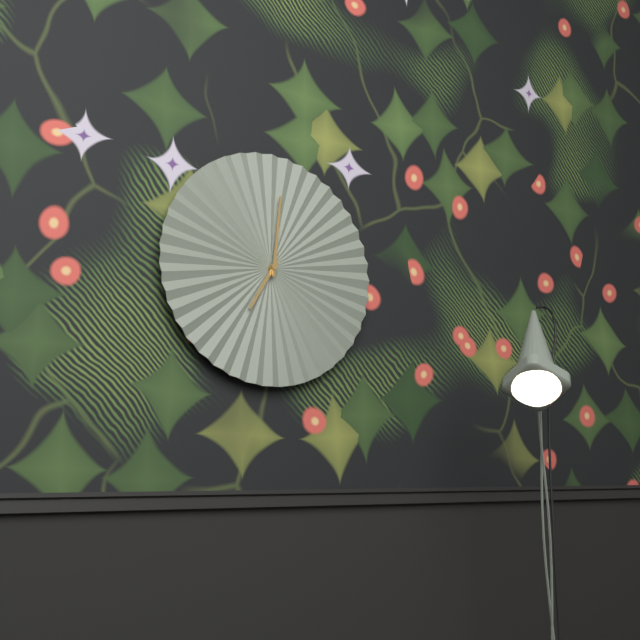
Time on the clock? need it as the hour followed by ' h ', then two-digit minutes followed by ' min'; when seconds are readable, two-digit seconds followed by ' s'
7 h 01 min
